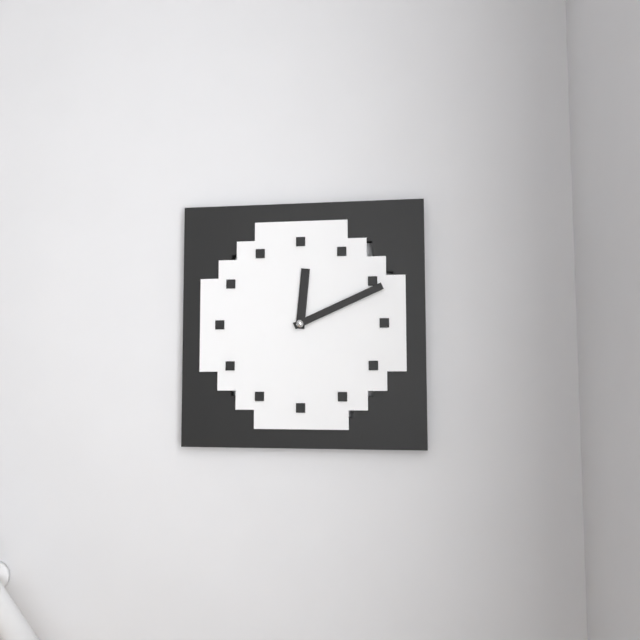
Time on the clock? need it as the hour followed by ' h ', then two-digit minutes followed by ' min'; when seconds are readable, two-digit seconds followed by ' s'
12 h 11 min
